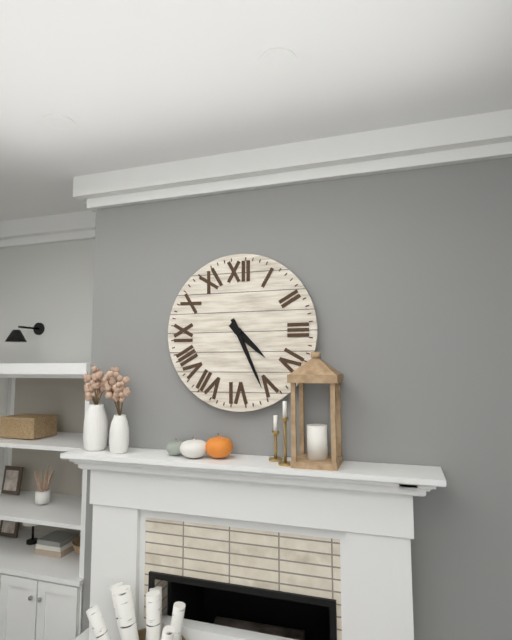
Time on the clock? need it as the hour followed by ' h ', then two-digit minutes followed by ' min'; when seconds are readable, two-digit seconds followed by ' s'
4 h 26 min
